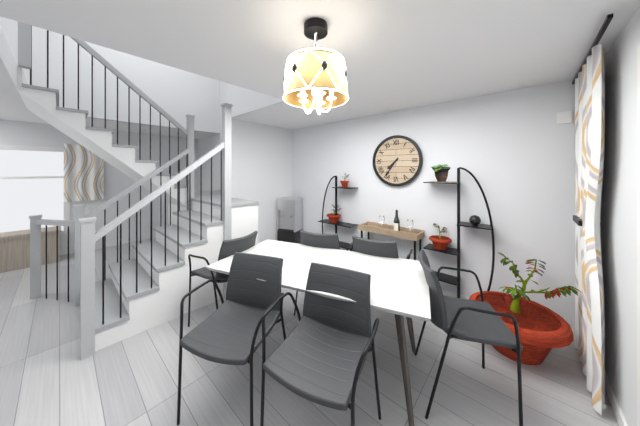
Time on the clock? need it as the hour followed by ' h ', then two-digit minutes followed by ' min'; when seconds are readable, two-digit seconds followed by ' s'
7 h 36 min
